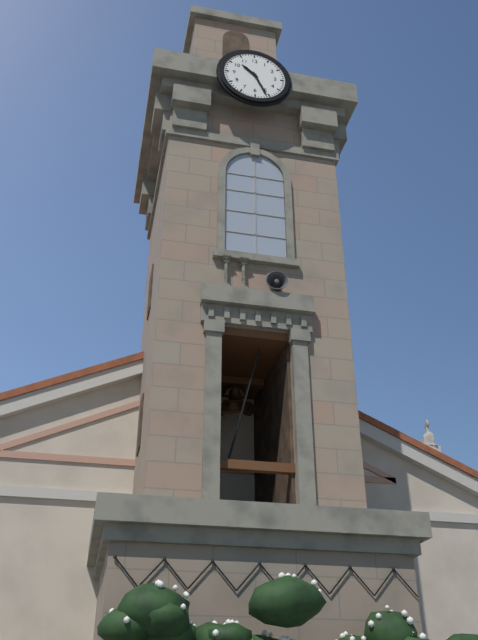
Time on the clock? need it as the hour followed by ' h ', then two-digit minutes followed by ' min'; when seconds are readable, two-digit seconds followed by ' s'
10 h 26 min
